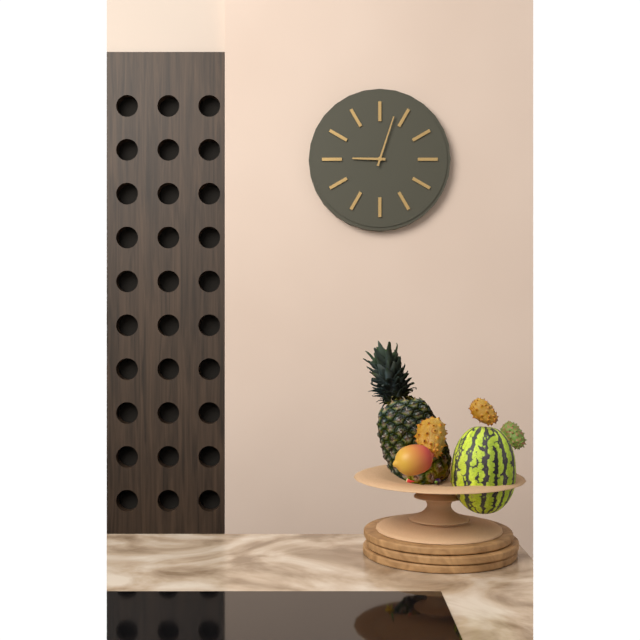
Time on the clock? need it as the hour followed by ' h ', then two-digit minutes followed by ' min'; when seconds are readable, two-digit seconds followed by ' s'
9 h 03 min
